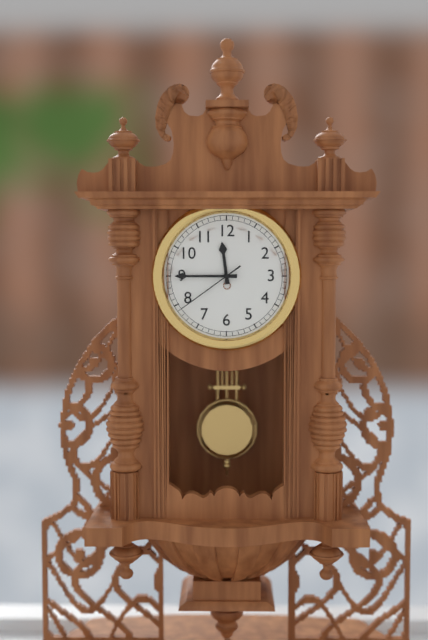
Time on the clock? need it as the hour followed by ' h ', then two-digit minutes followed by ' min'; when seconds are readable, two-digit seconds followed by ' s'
11 h 45 min 39 s
